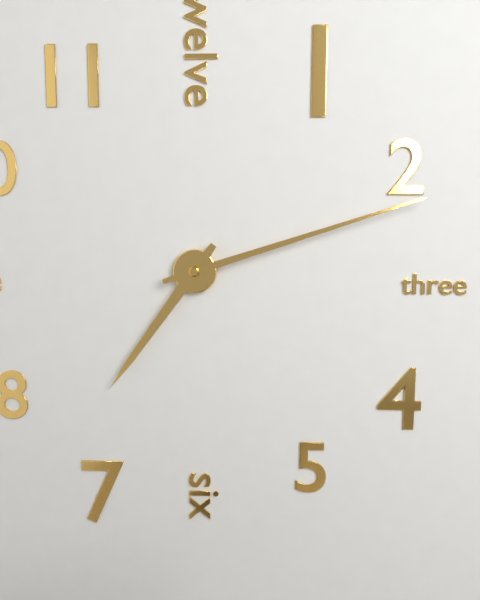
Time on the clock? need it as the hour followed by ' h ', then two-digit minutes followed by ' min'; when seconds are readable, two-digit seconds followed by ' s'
7 h 12 min
